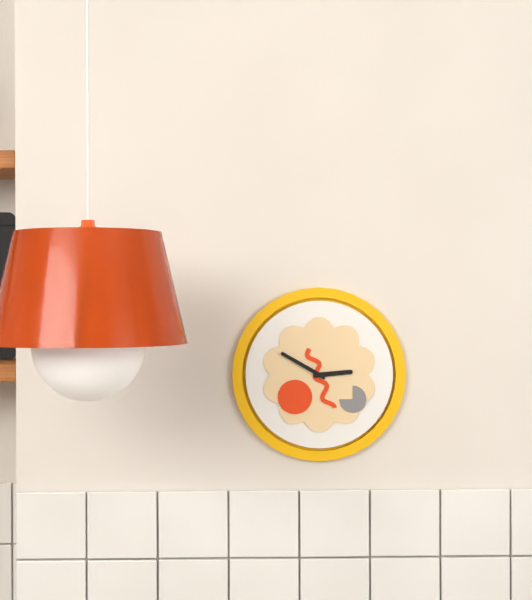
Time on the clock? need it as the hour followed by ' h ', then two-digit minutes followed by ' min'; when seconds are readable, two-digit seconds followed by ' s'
2 h 50 min
